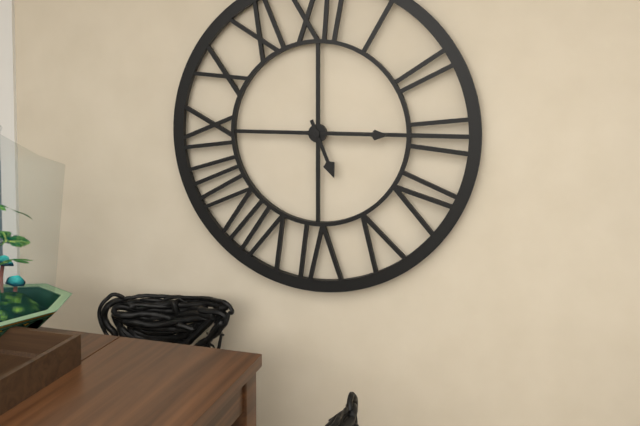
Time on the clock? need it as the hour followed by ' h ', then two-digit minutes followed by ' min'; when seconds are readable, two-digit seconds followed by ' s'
5 h 15 min
